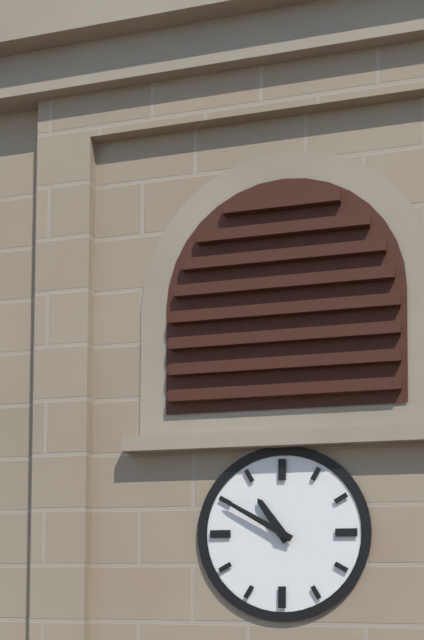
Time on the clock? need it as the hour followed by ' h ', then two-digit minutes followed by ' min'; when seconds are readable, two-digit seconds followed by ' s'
10 h 50 min
